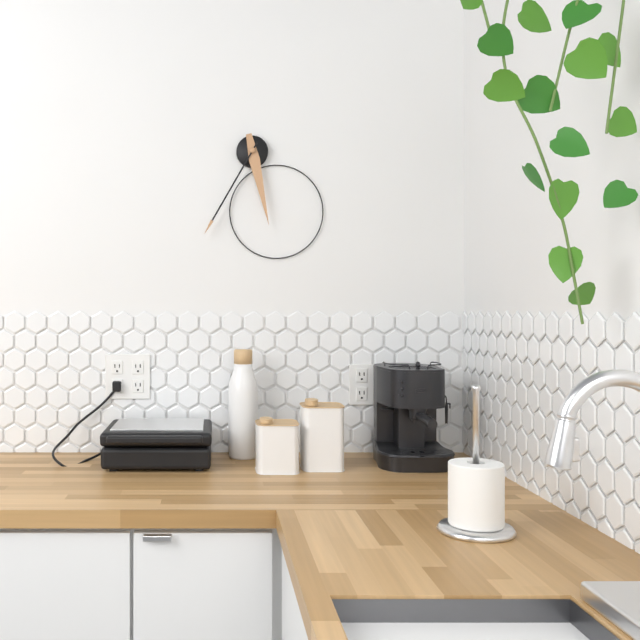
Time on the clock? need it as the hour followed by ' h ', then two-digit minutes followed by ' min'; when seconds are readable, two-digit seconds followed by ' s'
5 h 35 min
